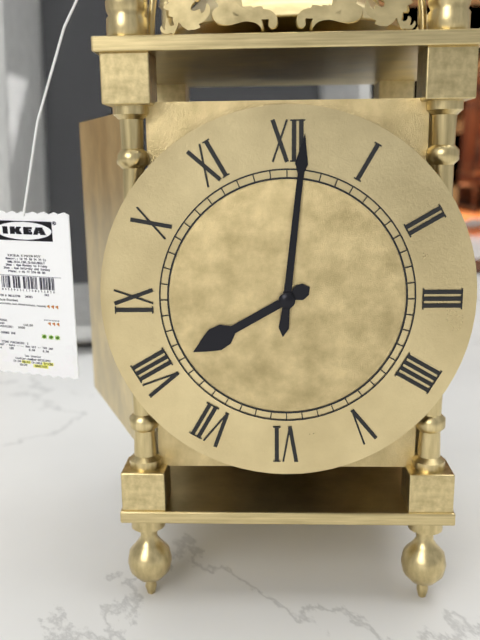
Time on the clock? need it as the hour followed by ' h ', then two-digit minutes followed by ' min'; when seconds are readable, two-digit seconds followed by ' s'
8 h 01 min
